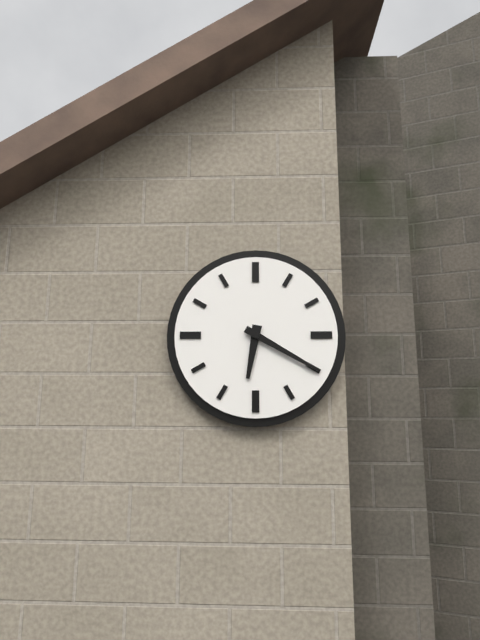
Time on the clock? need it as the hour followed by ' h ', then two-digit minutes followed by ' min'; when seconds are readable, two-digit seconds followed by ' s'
6 h 20 min
